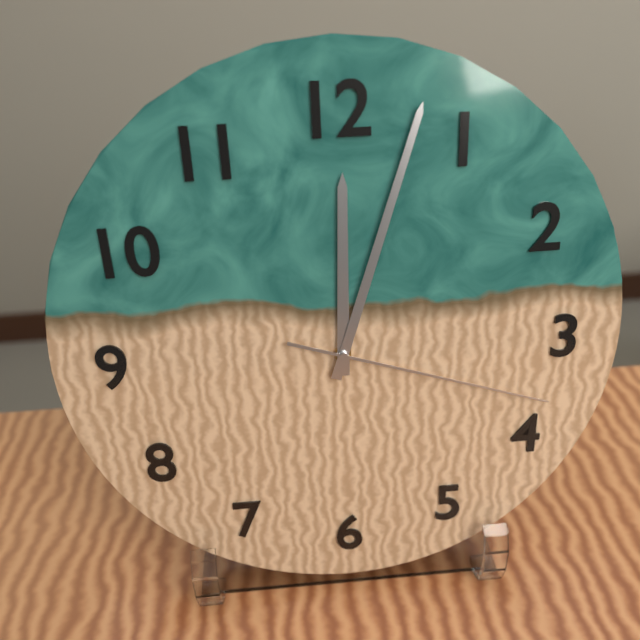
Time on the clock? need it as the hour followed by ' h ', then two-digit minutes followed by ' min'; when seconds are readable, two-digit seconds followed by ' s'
12 h 03 min 18 s
